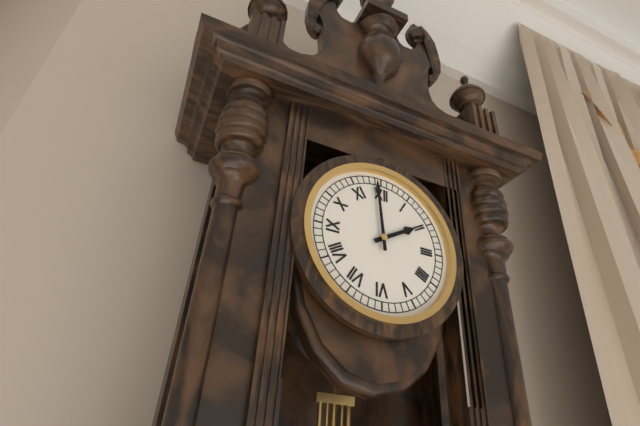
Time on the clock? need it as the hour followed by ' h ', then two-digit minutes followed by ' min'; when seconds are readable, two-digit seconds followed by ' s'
1 h 59 min
